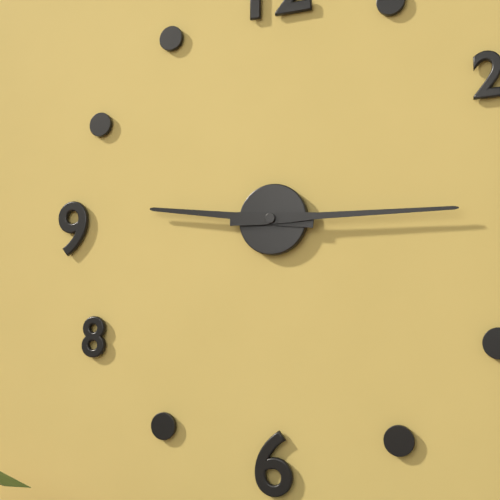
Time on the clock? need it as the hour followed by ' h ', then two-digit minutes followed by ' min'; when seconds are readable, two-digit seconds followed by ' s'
9 h 15 min
